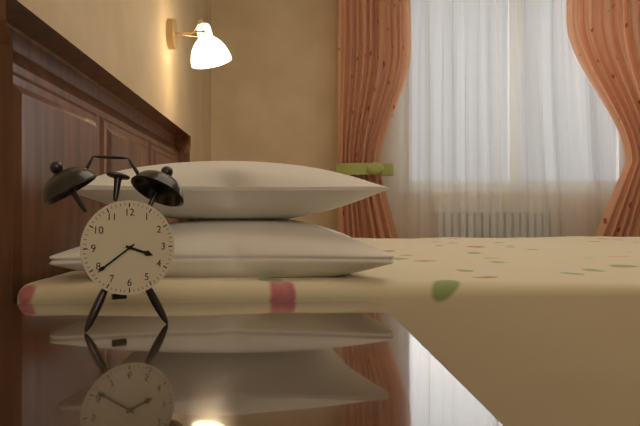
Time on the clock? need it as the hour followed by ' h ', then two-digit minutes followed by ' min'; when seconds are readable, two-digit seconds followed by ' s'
3 h 39 min
